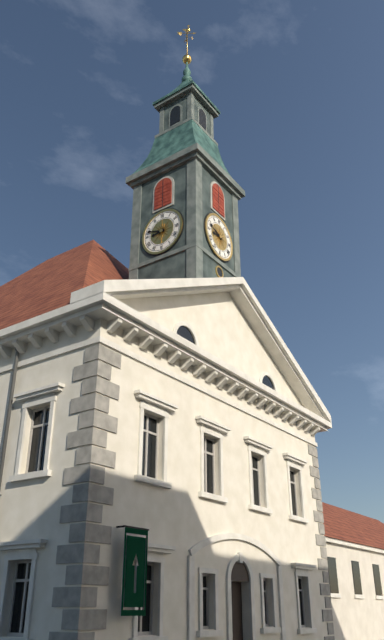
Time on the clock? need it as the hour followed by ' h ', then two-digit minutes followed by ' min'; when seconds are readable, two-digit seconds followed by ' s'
8 h 48 min
